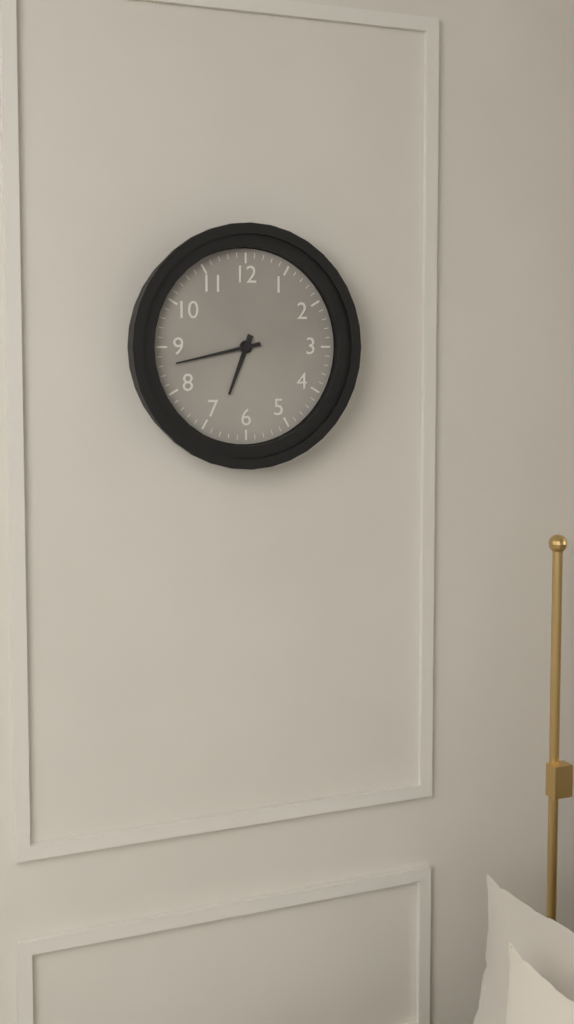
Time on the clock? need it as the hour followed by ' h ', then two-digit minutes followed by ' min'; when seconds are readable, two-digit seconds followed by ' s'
6 h 43 min
